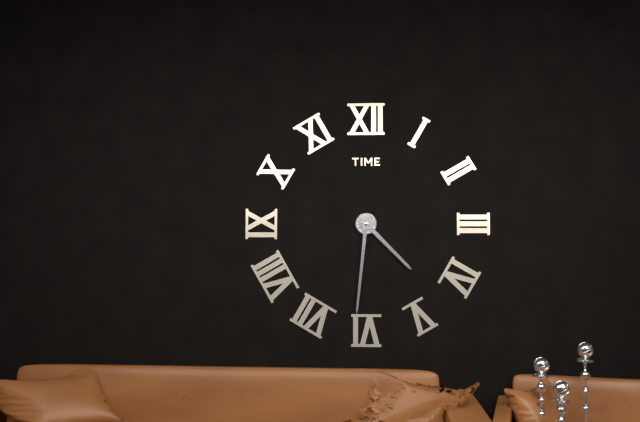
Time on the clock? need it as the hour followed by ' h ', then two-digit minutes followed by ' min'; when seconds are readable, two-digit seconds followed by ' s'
4 h 31 min
